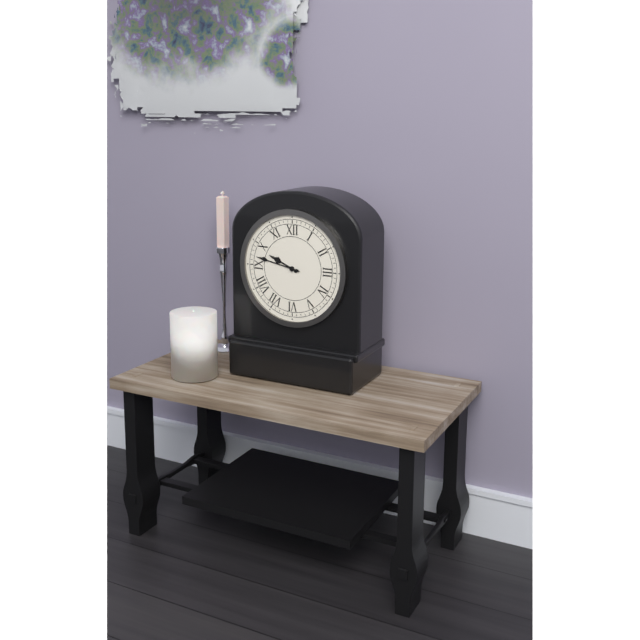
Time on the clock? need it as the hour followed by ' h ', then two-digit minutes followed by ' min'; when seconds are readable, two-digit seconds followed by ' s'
9 h 47 min
